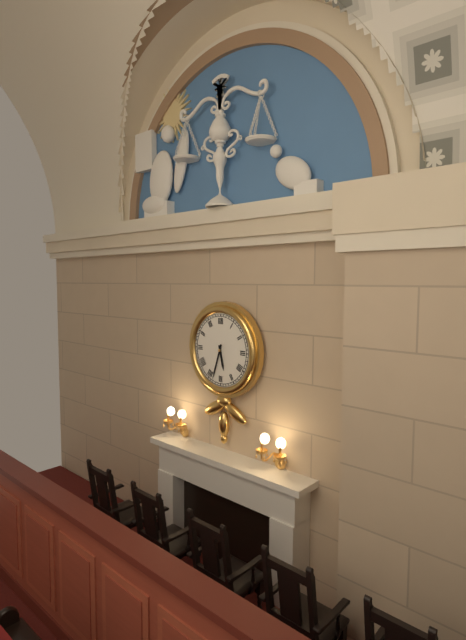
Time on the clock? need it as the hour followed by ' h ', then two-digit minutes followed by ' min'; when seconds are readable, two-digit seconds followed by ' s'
5 h 33 min
